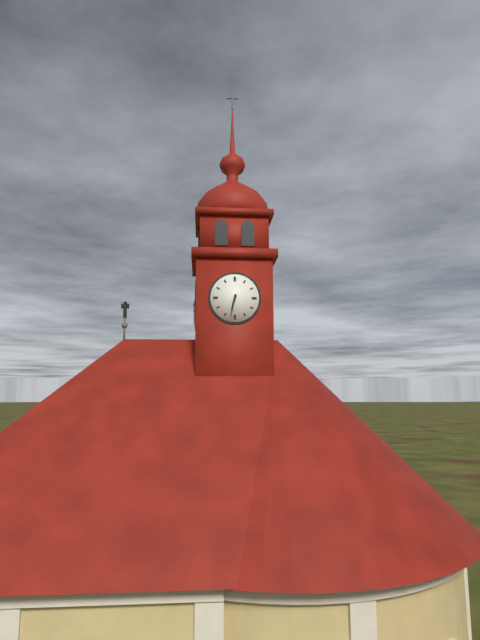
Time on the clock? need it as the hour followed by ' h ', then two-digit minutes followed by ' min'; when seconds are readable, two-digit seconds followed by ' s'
6 h 32 min
